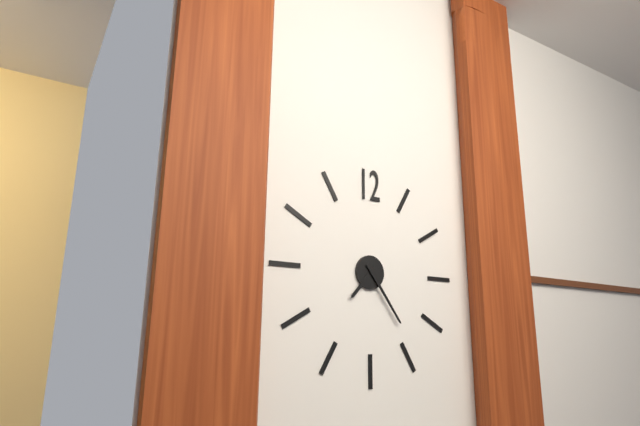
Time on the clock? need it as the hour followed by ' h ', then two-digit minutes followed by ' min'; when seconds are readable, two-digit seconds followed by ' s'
7 h 24 min
